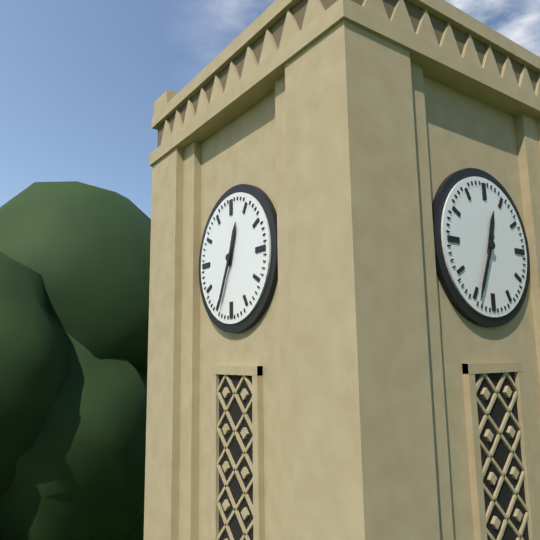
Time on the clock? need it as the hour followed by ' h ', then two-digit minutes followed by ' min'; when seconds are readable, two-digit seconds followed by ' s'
12 h 34 min
